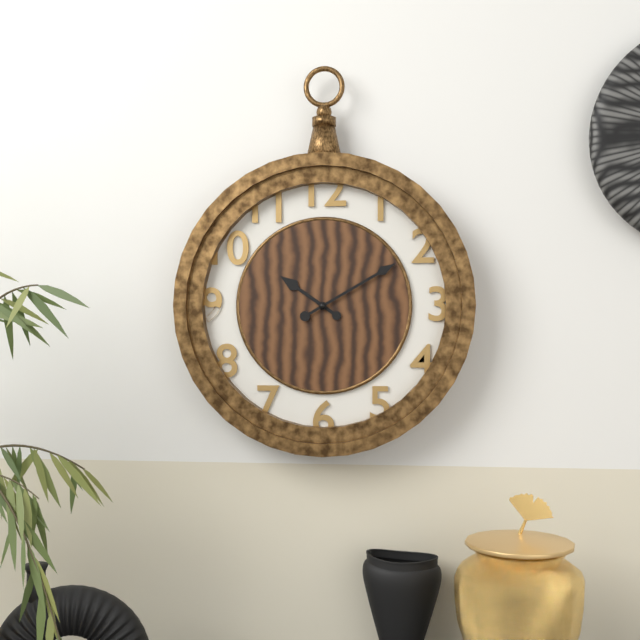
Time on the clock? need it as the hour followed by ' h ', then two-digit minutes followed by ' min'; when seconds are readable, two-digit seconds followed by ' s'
10 h 10 min
